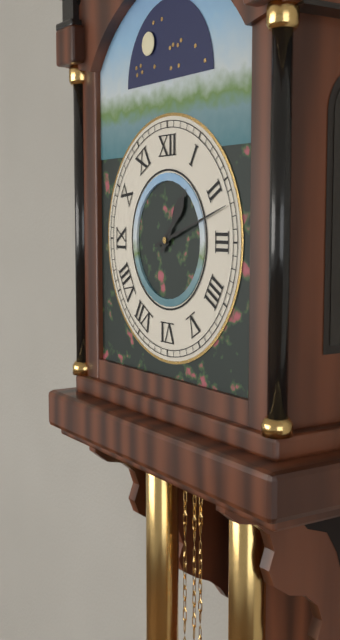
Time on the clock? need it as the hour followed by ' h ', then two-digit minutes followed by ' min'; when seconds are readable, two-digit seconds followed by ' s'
1 h 12 min
